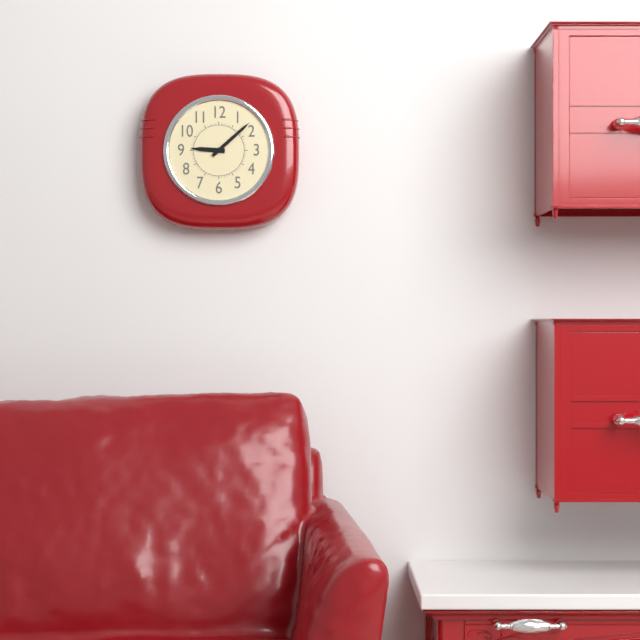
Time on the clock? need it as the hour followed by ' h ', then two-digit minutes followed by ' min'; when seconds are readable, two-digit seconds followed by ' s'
9 h 08 min
